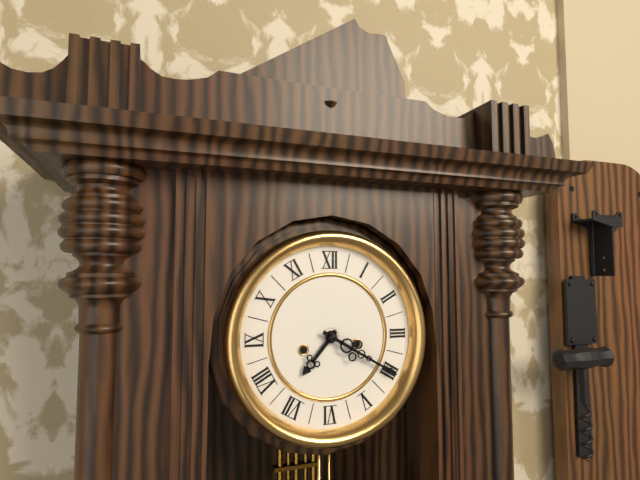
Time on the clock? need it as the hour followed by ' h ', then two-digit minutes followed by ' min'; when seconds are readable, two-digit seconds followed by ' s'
7 h 20 min
